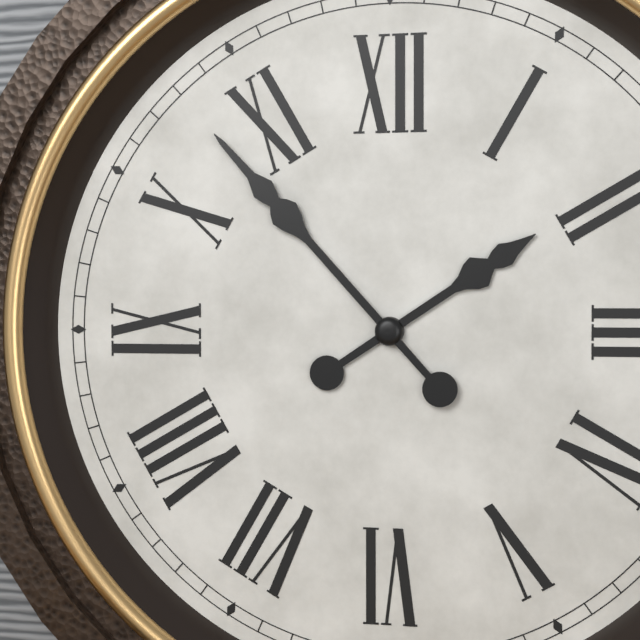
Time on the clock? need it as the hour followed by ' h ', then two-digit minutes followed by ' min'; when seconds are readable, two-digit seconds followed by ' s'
1 h 53 min
